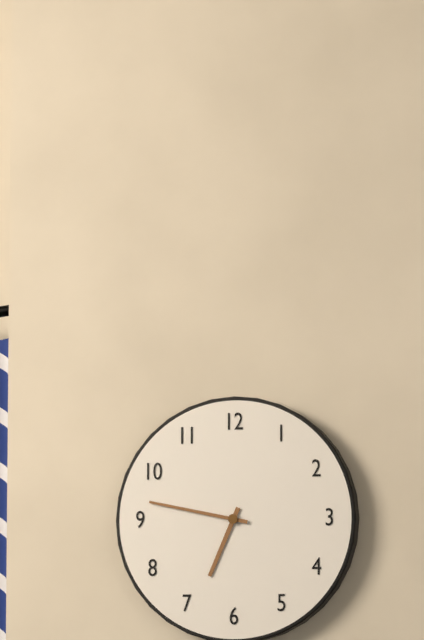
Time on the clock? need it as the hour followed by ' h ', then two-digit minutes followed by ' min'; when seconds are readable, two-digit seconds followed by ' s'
6 h 47 min
